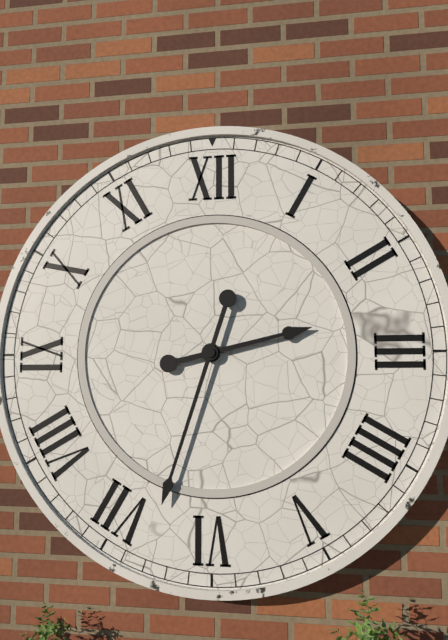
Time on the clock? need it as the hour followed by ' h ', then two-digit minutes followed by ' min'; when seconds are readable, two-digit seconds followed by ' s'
2 h 33 min
